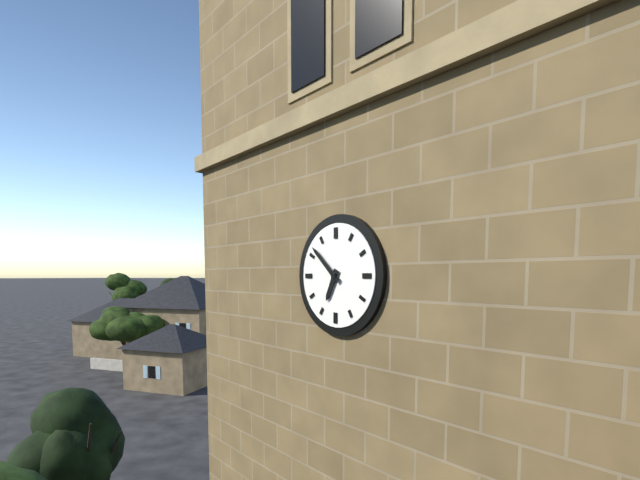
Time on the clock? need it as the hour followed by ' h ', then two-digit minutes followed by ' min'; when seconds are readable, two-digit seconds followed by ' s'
6 h 52 min
